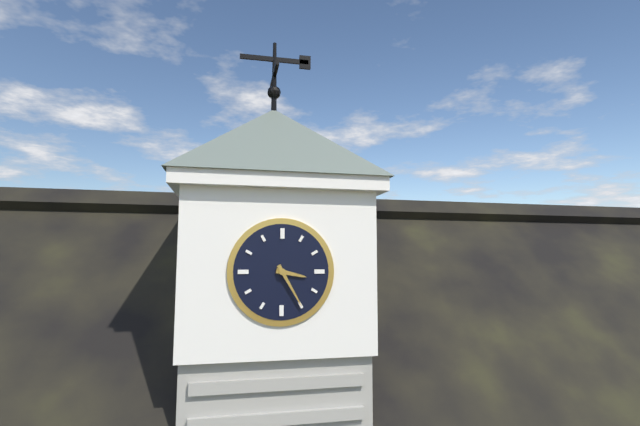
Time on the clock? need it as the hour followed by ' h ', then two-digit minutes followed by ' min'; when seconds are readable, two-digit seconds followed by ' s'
3 h 25 min
